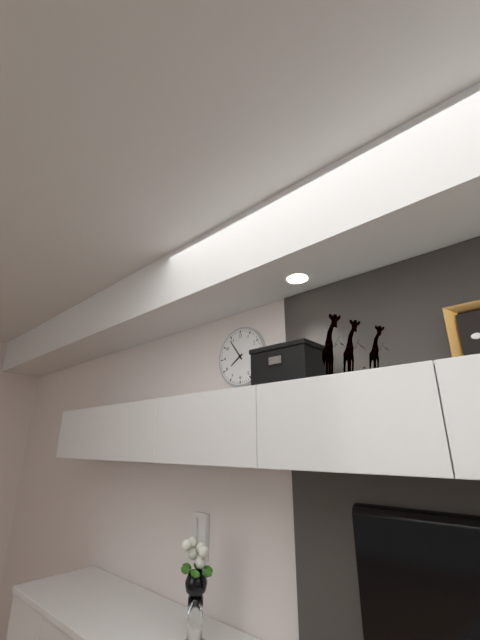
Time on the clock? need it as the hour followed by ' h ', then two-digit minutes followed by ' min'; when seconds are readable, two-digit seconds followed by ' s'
7 h 54 min
